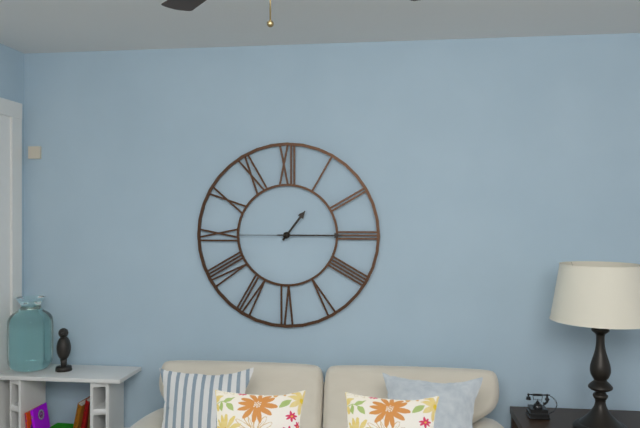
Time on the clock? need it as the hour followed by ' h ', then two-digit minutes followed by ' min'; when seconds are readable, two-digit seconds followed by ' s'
1 h 15 min 45 s
